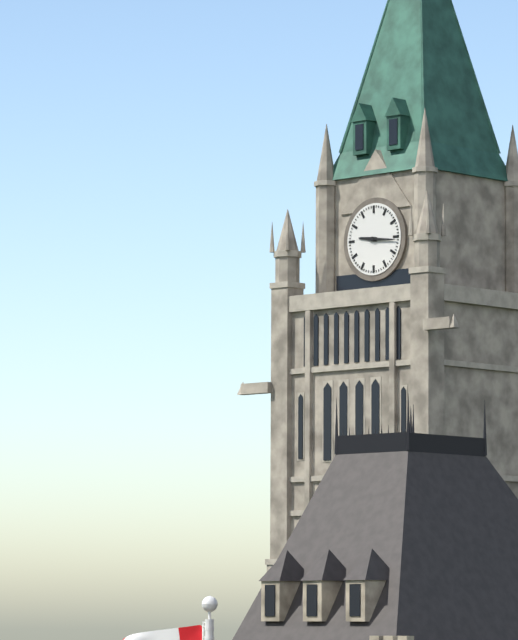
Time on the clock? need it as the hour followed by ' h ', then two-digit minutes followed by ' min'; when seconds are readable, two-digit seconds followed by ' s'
9 h 16 min
